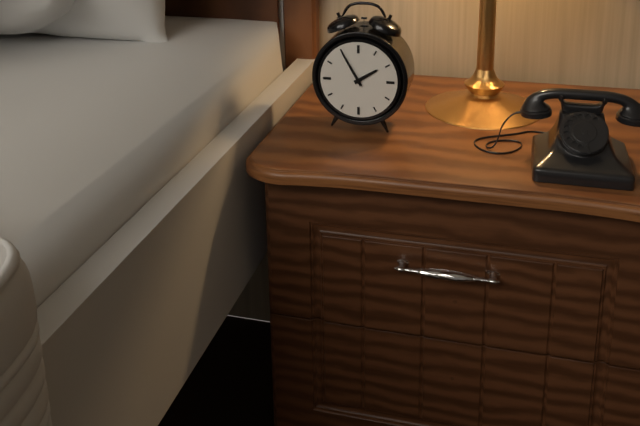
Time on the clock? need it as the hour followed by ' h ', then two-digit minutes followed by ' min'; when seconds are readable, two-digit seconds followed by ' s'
1 h 55 min
